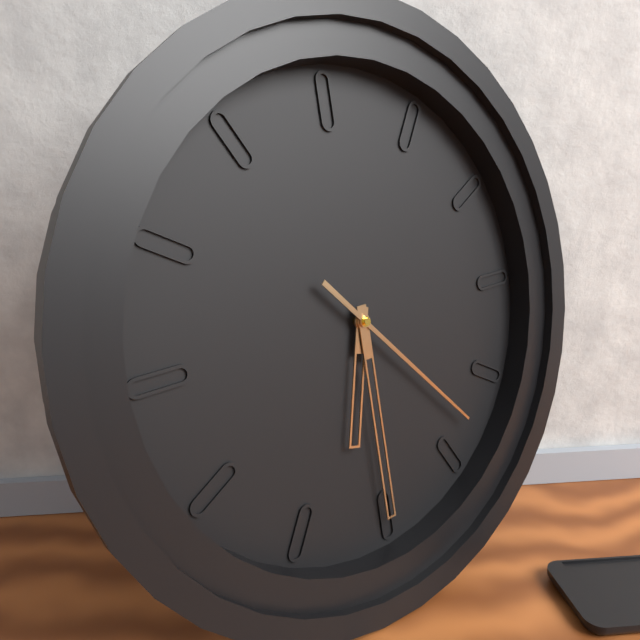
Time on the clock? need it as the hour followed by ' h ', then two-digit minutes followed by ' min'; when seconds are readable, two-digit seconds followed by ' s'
6 h 30 min 23 s
